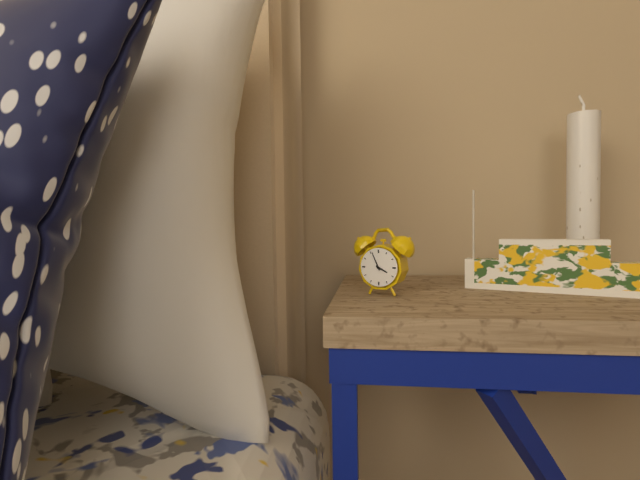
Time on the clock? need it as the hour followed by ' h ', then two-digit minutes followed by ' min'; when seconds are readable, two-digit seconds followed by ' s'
3 h 56 min
